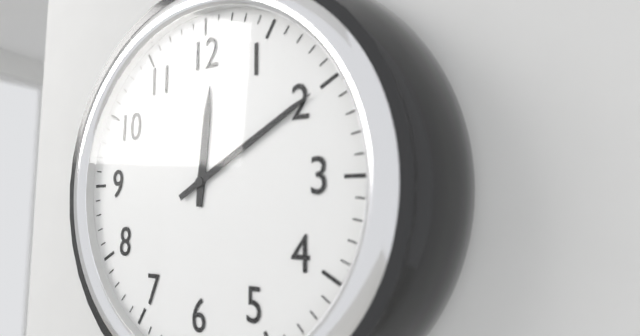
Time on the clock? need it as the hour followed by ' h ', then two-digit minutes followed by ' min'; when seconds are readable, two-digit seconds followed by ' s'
12 h 10 min
